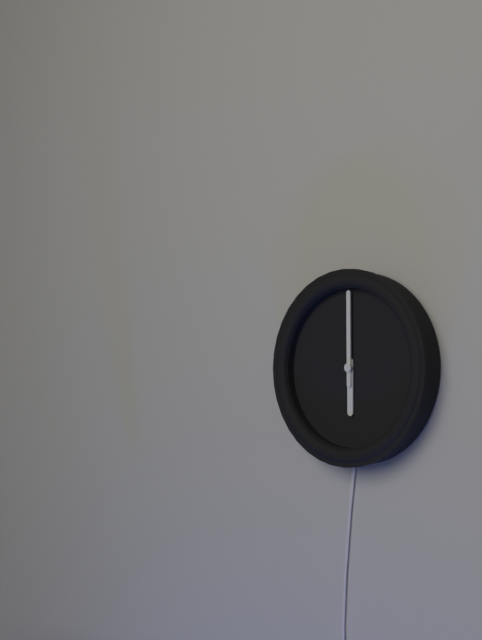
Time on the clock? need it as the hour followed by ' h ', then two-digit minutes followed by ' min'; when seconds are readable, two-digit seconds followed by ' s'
6 h 00 min
